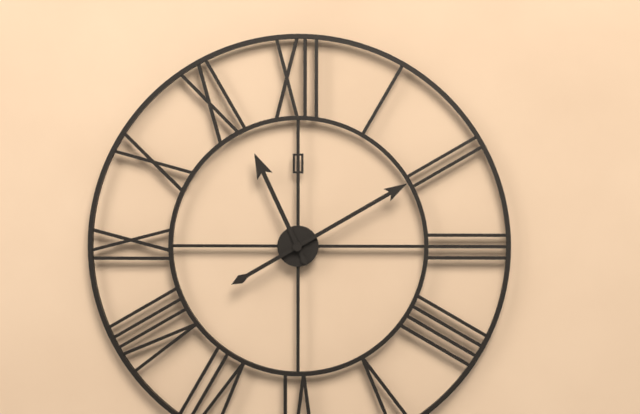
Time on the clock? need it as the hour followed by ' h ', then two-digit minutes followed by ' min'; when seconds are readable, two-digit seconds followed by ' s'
11 h 10 min
